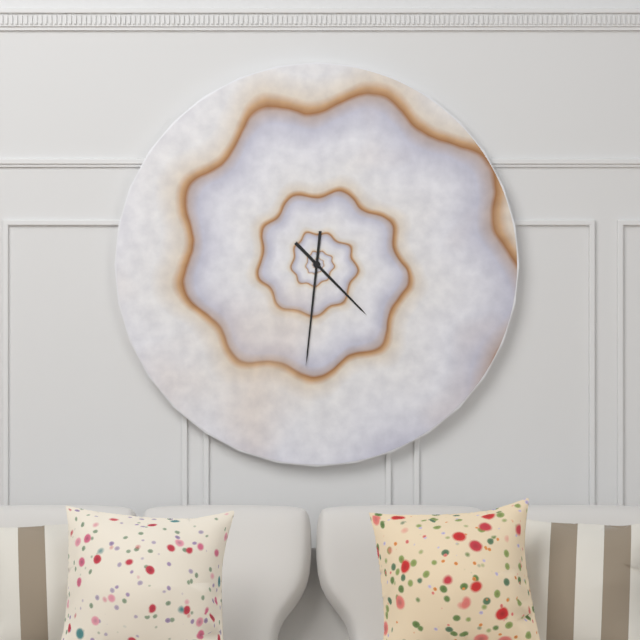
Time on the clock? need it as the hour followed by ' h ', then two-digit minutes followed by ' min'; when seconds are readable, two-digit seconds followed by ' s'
4 h 31 min
